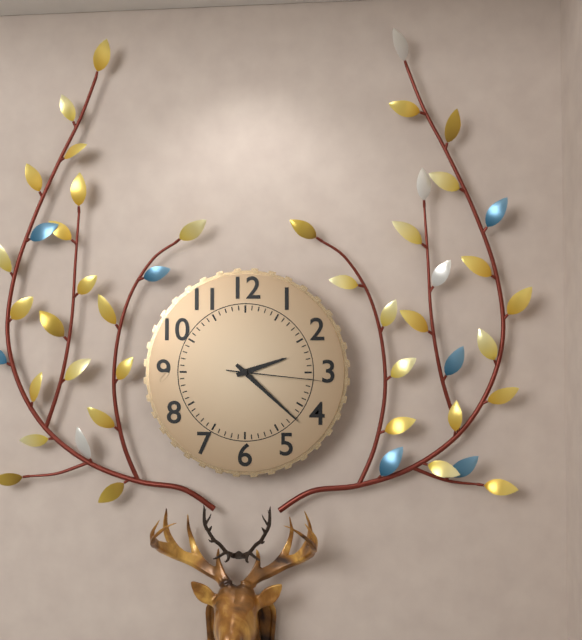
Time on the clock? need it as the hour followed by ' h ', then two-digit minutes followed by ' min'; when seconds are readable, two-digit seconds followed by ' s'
2 h 22 min 16 s
